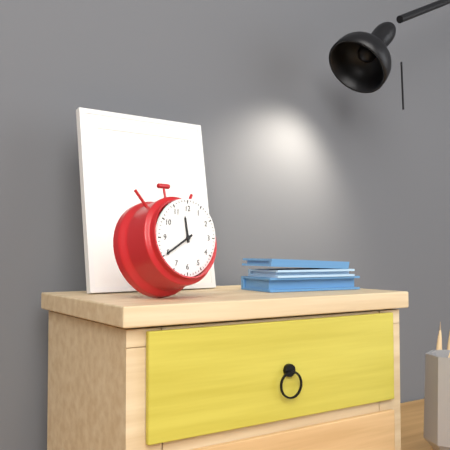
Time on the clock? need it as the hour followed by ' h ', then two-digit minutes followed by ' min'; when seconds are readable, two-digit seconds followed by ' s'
11 h 40 min
